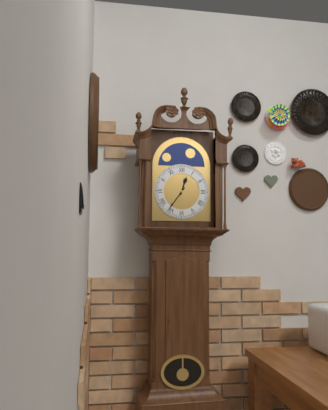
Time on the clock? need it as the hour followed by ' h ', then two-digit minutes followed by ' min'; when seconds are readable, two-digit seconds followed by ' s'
12 h 36 min
